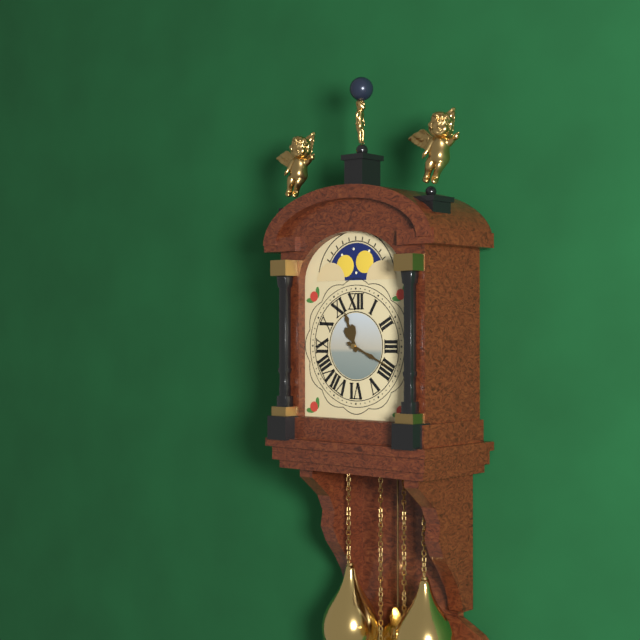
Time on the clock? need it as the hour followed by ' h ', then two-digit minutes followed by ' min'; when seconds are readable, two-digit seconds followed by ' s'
11 h 19 min
